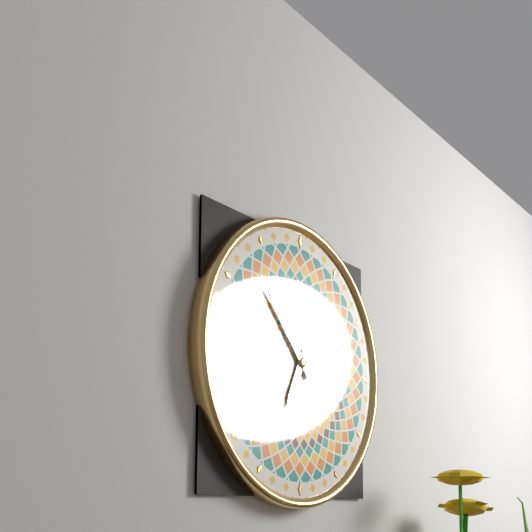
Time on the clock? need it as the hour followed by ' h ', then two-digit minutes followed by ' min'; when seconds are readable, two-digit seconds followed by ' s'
6 h 53 min
